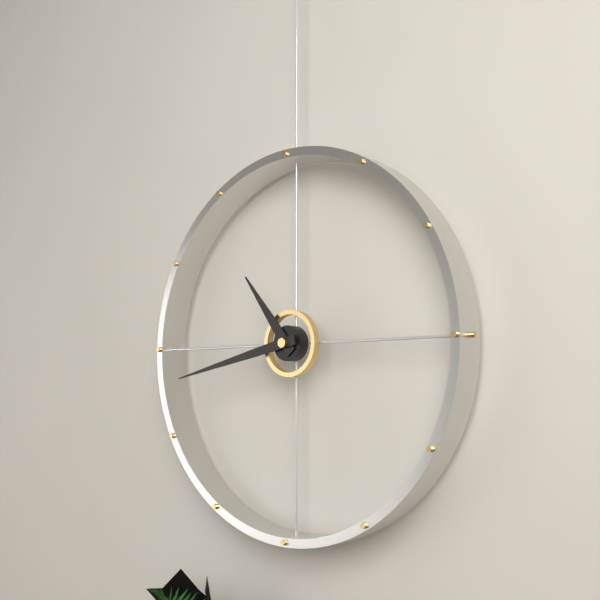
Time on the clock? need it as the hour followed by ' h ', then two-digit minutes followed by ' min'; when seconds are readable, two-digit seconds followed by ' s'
10 h 43 min
